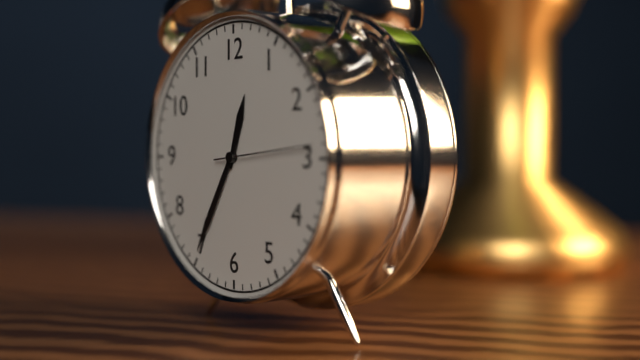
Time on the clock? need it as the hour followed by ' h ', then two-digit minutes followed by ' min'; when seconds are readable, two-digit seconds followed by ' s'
12 h 35 min 14 s
